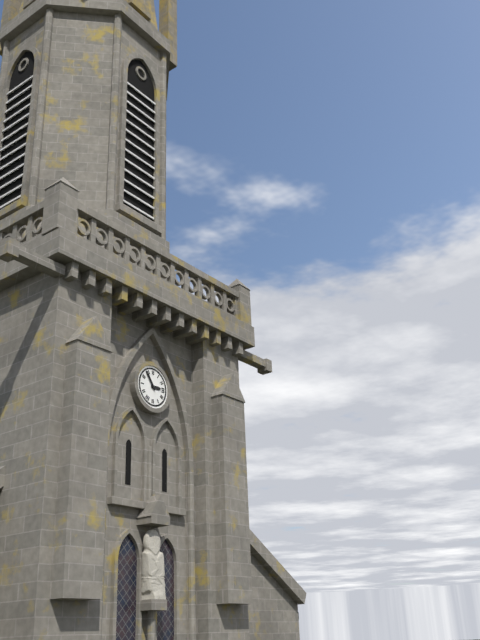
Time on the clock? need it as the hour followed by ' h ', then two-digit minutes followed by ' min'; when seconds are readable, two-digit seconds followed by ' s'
2 h 54 min
